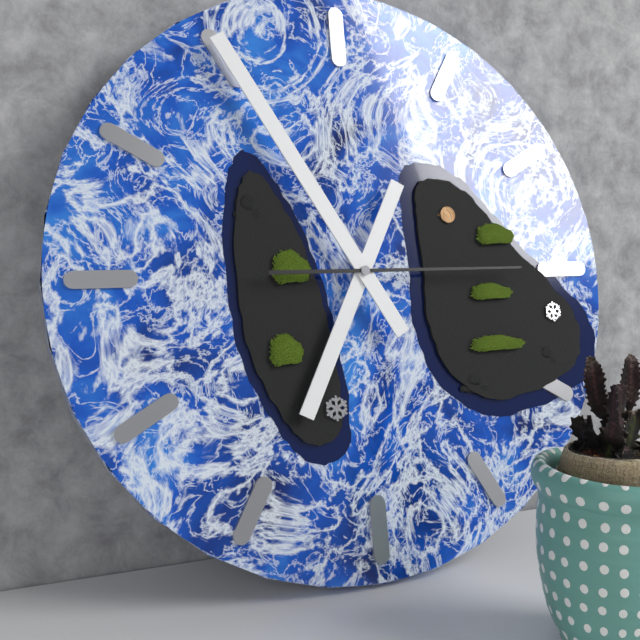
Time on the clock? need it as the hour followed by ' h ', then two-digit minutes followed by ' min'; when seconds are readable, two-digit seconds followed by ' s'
6 h 55 min 15 s
